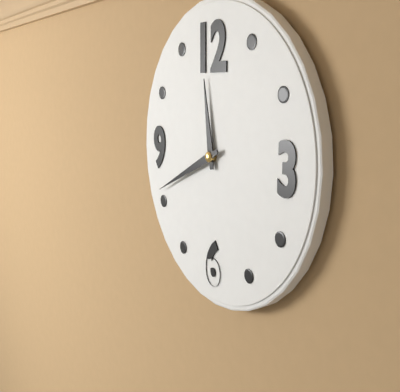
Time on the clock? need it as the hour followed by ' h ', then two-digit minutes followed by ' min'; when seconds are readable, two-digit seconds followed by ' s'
11 h 41 min
